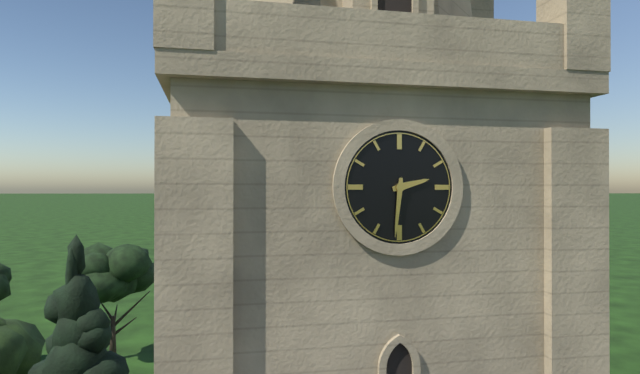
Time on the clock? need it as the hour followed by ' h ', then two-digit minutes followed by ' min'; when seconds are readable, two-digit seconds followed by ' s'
2 h 31 min
